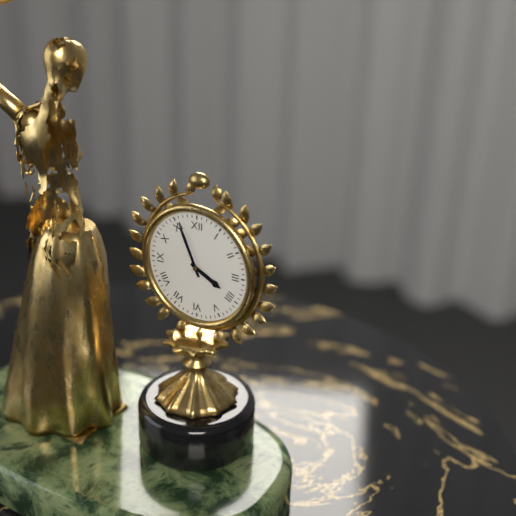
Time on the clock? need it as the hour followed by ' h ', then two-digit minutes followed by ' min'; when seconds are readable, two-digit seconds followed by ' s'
3 h 56 min
